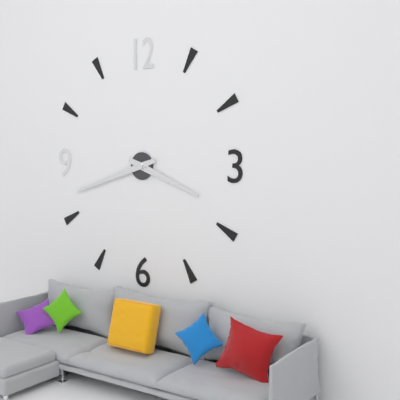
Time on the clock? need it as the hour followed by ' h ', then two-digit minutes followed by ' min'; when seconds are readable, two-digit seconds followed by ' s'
3 h 42 min
